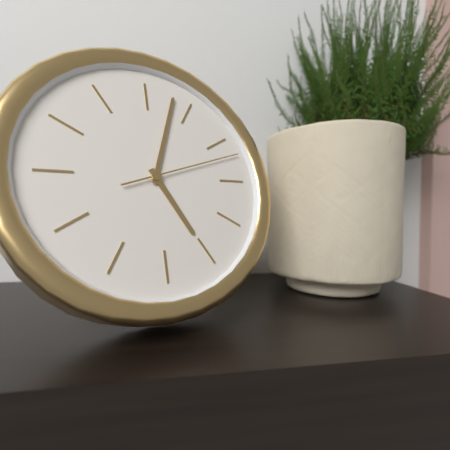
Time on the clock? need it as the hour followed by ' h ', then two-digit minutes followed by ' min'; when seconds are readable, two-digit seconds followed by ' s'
5 h 03 min 12 s
